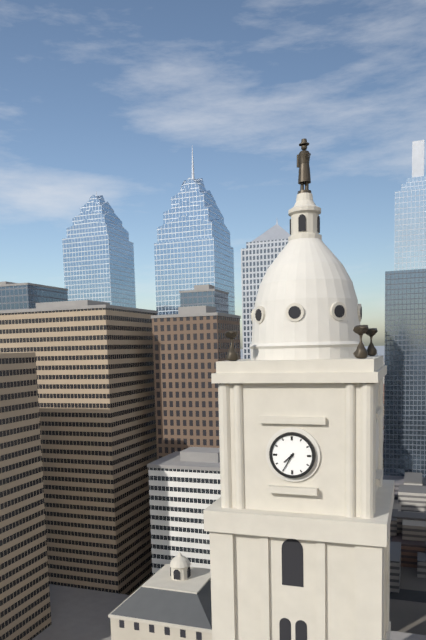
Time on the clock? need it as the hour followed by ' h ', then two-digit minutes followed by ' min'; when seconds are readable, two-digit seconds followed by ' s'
7 h 35 min
